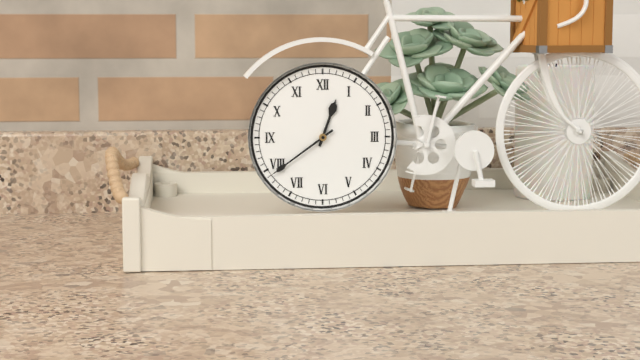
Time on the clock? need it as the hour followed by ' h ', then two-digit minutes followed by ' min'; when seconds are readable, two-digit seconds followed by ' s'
12 h 39 min
